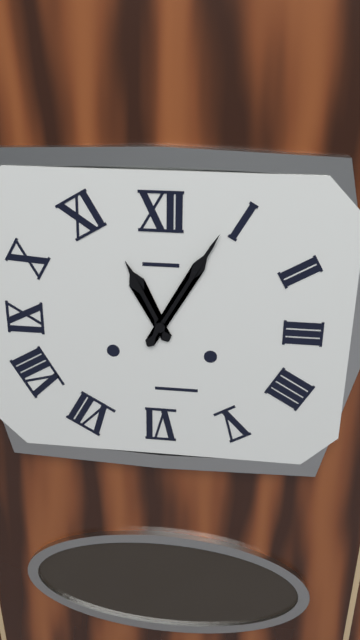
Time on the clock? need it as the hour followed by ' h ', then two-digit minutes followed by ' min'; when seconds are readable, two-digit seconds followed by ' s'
11 h 05 min
